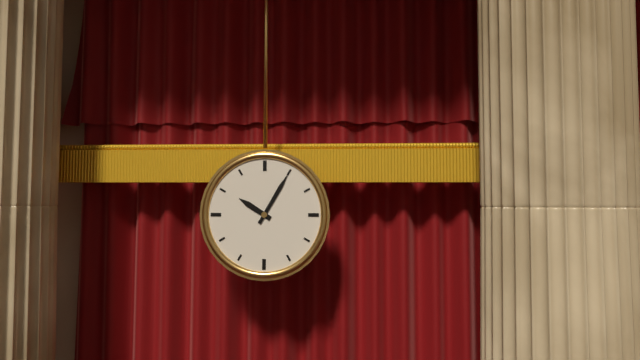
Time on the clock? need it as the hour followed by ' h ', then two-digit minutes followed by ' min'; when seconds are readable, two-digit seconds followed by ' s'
10 h 05 min
